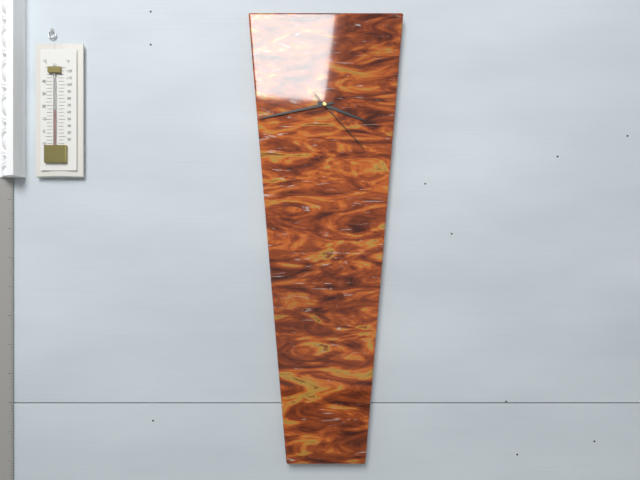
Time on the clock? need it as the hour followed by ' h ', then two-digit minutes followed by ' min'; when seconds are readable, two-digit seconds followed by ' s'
3 h 43 min 23 s
